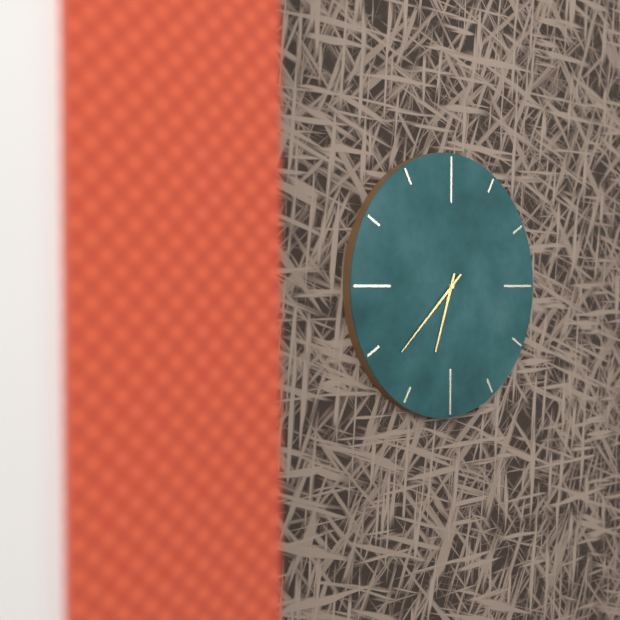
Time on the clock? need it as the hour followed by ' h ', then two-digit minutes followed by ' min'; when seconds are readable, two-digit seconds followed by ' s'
6 h 38 min
